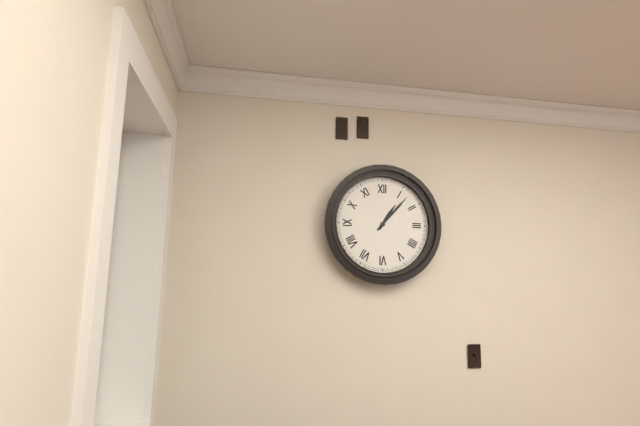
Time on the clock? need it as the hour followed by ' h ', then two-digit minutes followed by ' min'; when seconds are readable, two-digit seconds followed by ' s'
1 h 07 min
